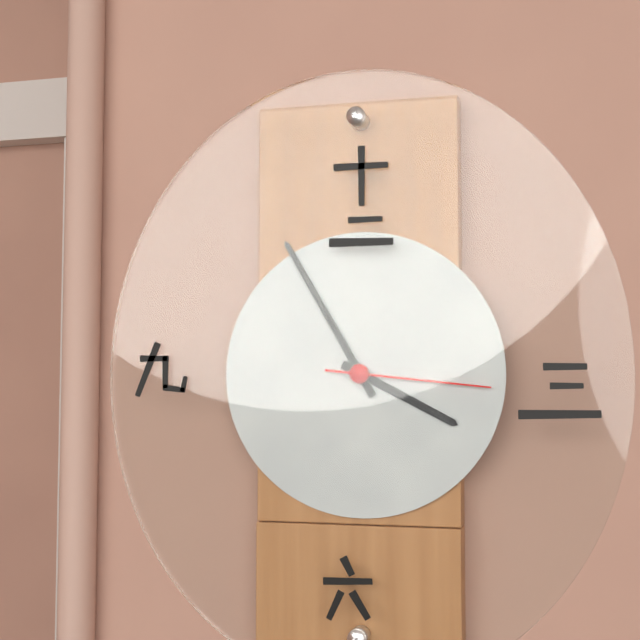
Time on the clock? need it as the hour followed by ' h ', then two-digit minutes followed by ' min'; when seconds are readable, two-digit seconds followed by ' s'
3 h 55 min 16 s
